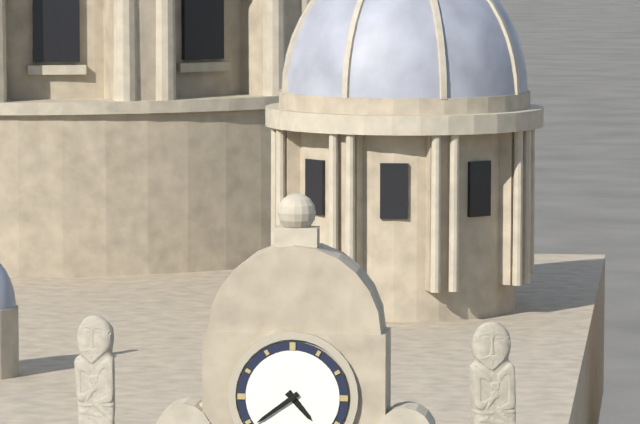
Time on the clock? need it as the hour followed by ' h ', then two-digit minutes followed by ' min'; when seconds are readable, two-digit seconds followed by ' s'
4 h 39 min
